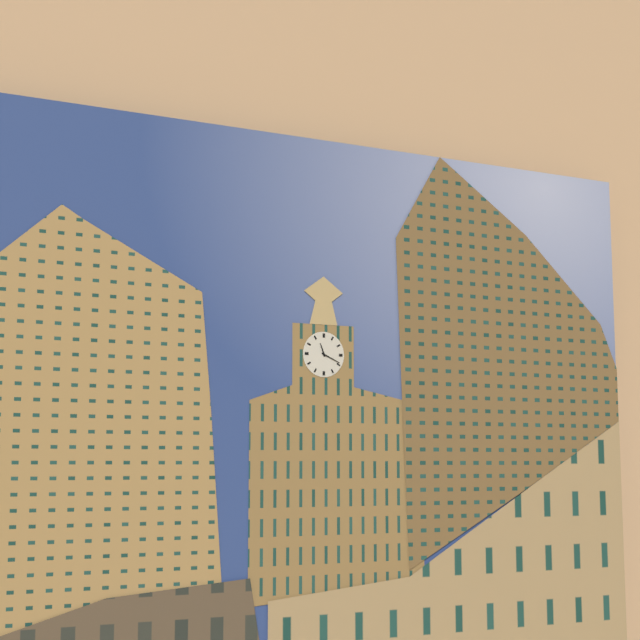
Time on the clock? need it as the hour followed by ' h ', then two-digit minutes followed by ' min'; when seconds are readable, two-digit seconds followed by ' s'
11 h 19 min
